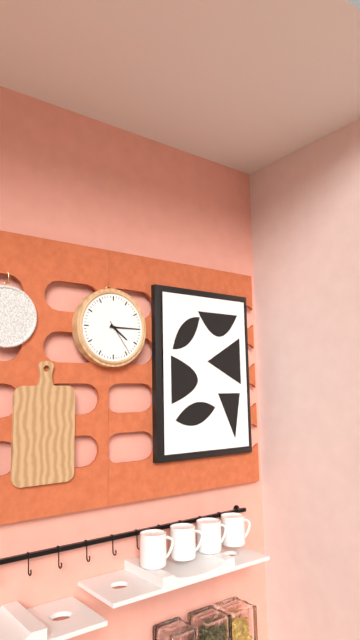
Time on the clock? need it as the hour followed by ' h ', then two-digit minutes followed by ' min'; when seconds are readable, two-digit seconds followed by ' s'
4 h 15 min
